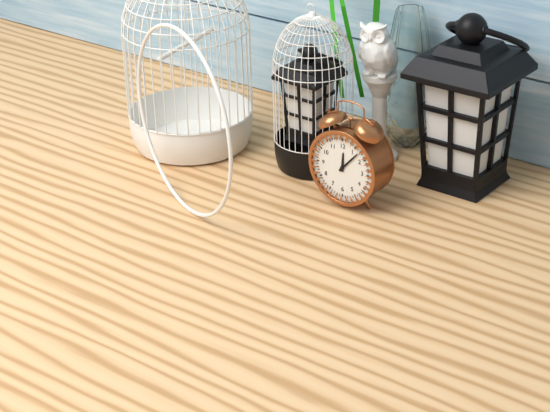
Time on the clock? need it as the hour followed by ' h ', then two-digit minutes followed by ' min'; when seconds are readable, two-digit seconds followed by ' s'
12 h 07 min
